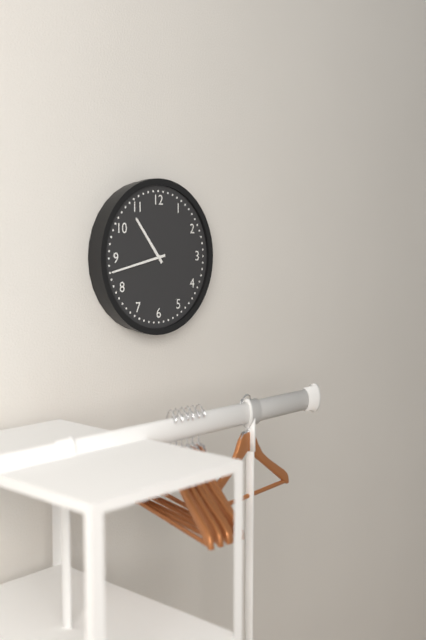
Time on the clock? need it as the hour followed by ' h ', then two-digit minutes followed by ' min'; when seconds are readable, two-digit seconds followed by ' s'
10 h 43 min
